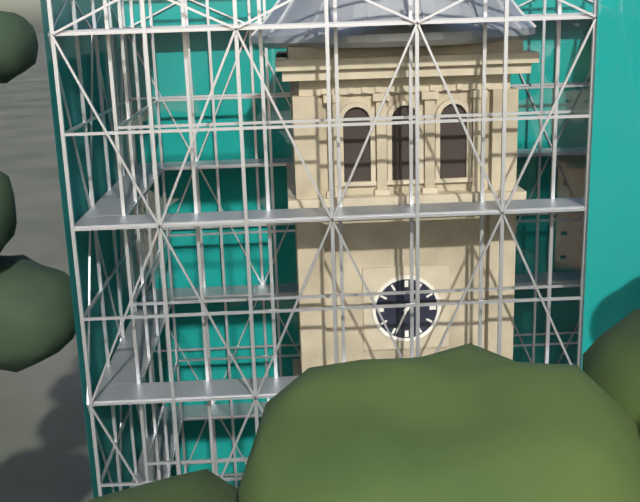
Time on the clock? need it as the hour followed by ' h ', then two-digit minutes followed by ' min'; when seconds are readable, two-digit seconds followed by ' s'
1 h 34 min
